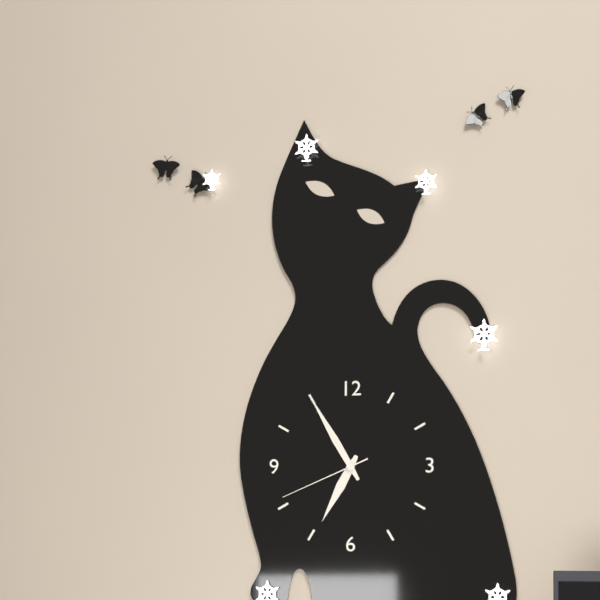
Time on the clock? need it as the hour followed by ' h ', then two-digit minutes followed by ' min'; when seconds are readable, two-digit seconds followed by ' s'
6 h 55 min 41 s
